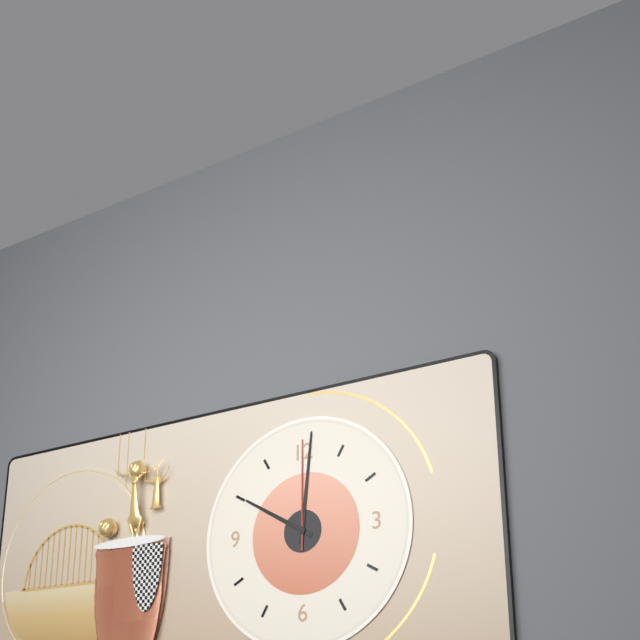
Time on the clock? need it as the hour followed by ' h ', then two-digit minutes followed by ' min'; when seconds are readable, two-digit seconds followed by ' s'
10 h 01 min 00 s
